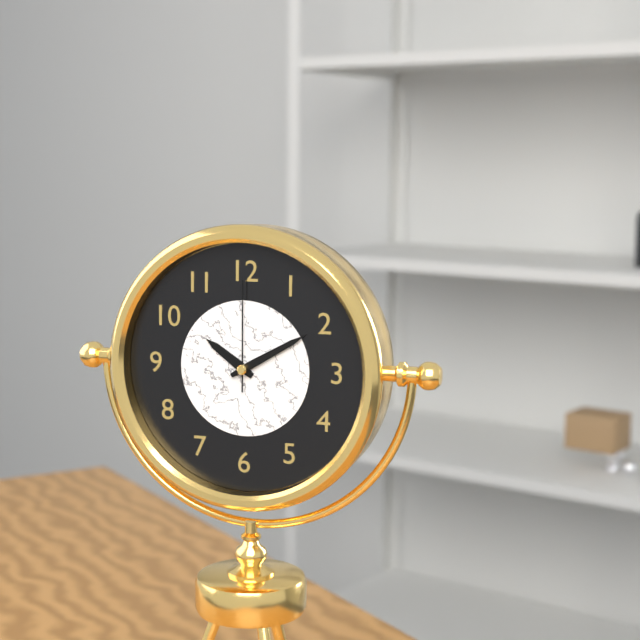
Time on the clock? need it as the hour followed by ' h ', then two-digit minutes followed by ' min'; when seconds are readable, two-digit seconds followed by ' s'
10 h 10 min 00 s
